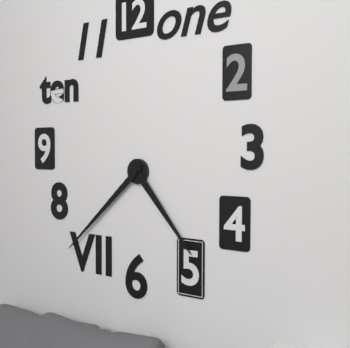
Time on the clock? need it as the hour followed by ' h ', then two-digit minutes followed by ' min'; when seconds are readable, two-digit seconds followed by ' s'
4 h 38 min
